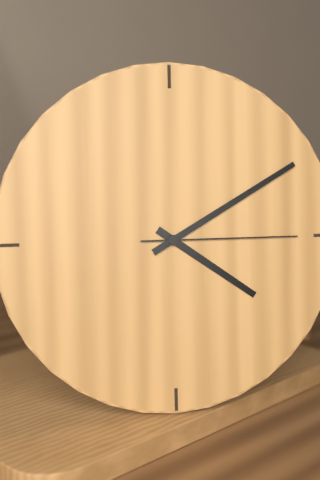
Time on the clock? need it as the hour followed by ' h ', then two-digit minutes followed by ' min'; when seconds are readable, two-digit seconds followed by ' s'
4 h 10 min 15 s
